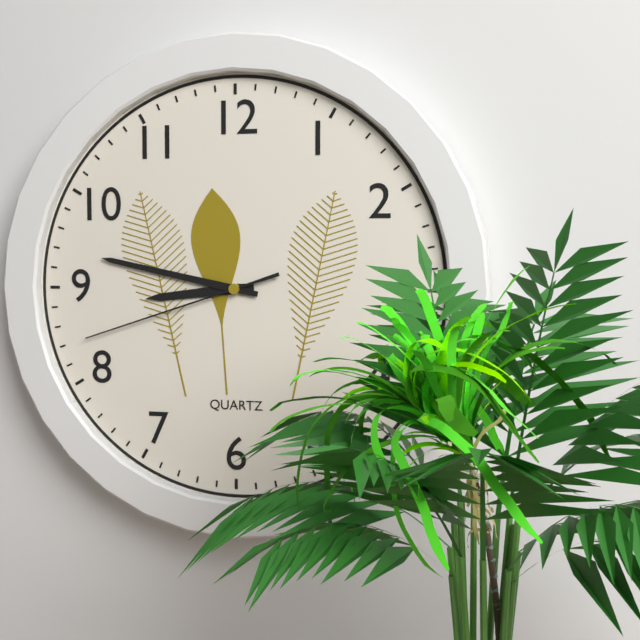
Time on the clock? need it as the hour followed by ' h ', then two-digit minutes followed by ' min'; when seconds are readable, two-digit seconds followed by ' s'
8 h 47 min 42 s
